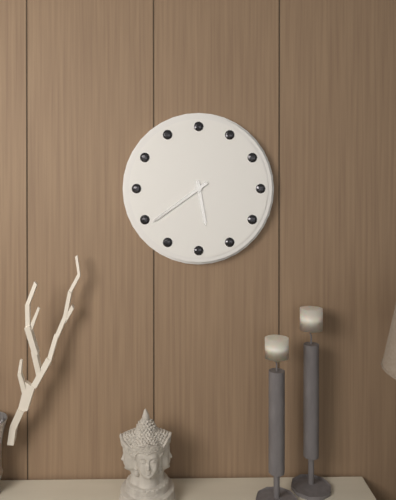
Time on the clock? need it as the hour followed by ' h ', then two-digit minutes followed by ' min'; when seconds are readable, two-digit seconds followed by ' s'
5 h 39 min
